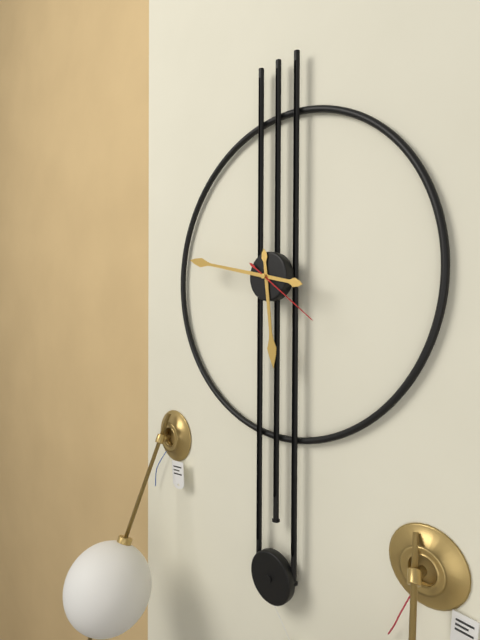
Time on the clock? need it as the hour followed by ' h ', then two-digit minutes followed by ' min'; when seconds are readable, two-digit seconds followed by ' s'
5 h 47 min 21 s
